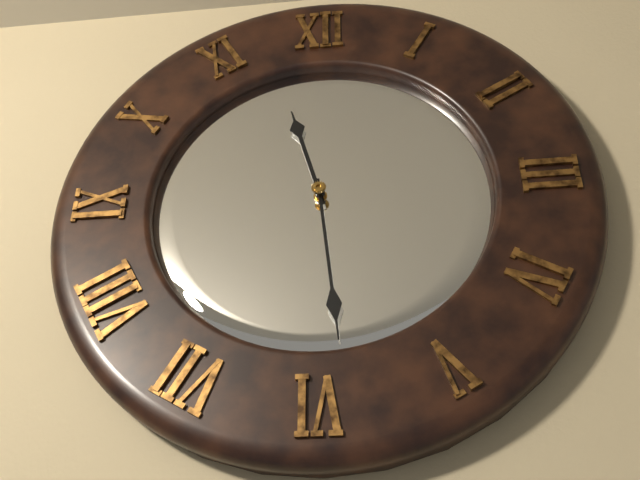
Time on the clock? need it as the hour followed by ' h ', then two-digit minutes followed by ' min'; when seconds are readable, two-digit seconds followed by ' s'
11 h 29 min
